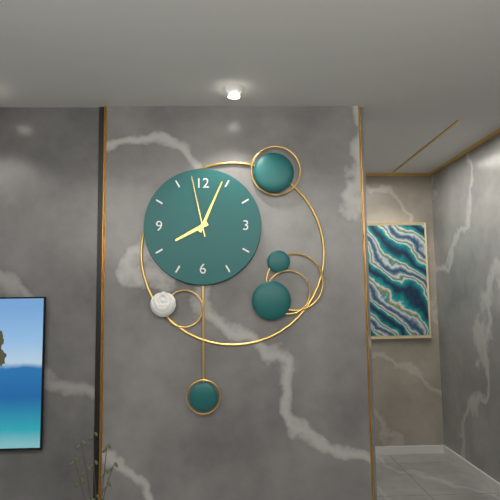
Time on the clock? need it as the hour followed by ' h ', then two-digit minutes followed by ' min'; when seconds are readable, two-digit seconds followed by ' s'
8 h 04 min 58 s
